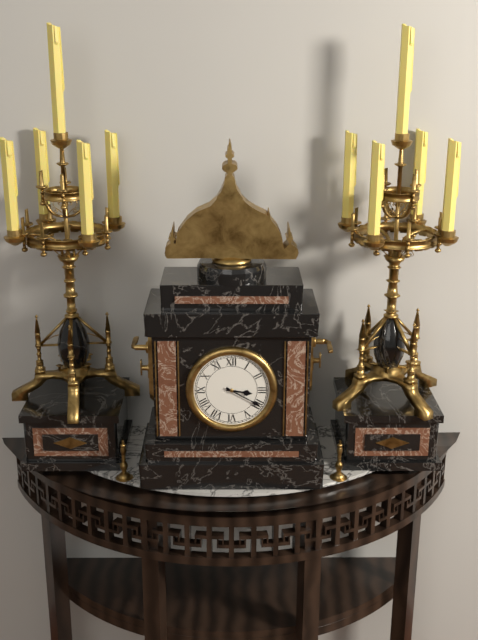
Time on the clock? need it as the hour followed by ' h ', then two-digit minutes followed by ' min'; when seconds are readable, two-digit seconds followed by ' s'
3 h 20 min
